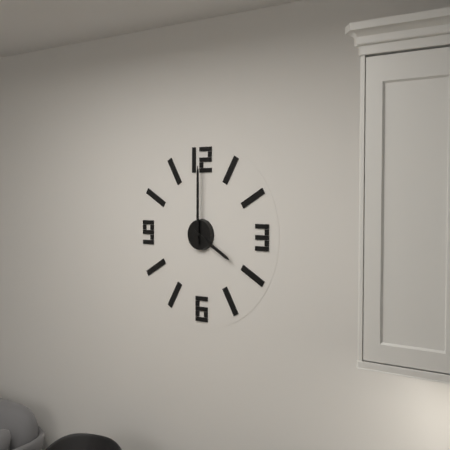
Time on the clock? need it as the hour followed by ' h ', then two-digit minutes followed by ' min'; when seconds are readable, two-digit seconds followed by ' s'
4 h 00 min
